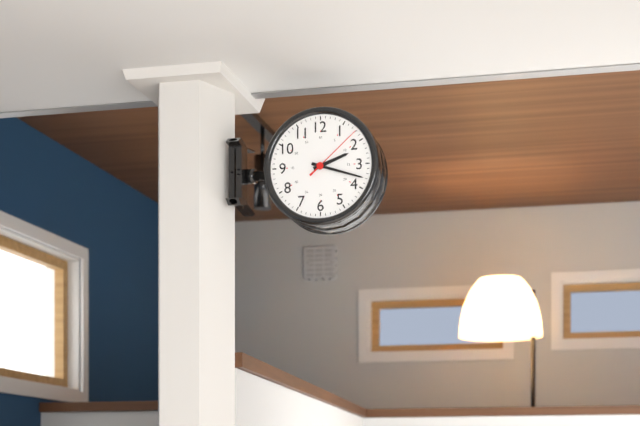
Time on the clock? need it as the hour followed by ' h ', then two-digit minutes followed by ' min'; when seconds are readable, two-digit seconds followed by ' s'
2 h 18 min 08 s
